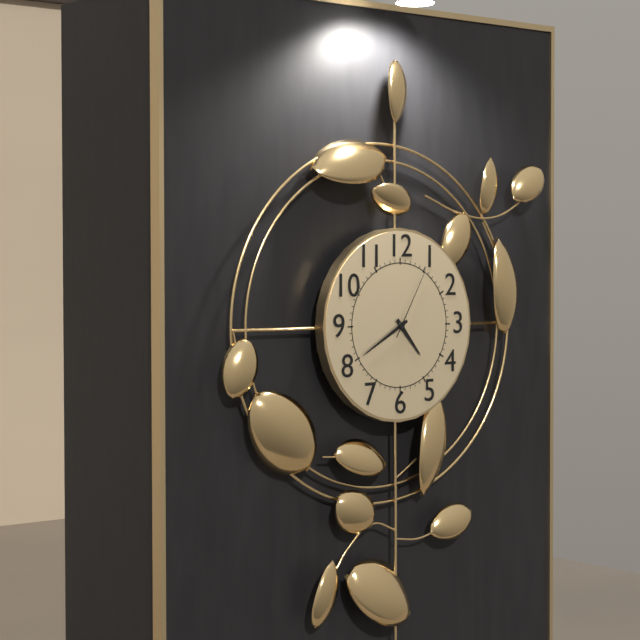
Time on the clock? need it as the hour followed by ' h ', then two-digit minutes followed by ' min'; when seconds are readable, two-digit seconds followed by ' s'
4 h 40 min 05 s
